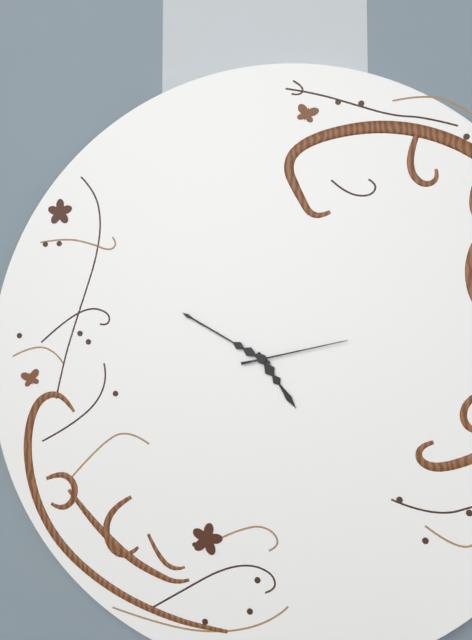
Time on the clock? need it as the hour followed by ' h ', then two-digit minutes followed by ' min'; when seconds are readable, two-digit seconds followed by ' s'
4 h 50 min 13 s
